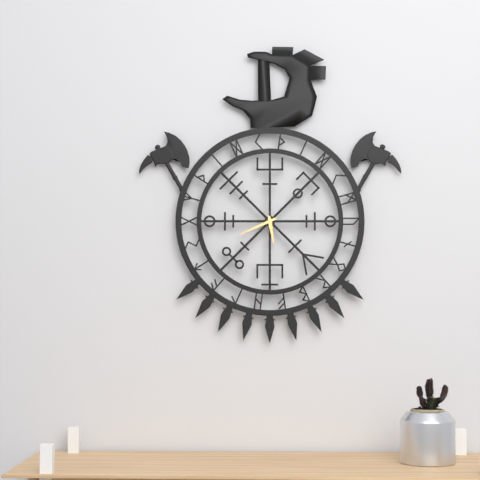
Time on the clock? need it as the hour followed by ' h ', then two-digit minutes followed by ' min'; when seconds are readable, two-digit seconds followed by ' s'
5 h 41 min
